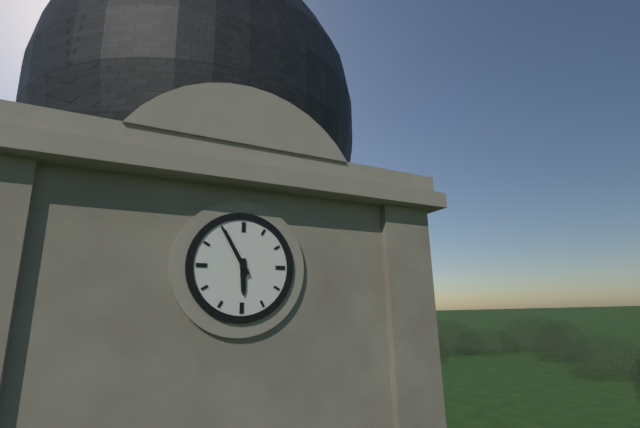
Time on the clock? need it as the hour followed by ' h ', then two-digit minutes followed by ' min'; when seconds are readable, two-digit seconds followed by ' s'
5 h 55 min
